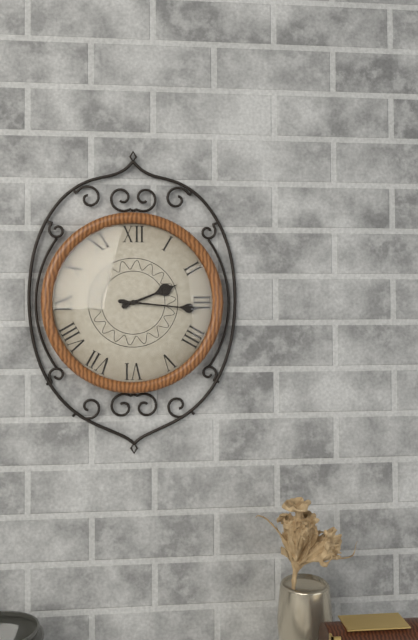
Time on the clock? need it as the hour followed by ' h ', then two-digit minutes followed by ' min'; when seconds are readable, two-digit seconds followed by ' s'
2 h 16 min
